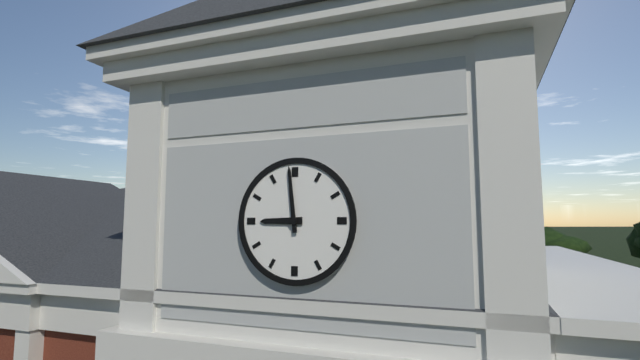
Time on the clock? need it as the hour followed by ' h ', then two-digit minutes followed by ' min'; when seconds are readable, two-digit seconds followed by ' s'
8 h 59 min
